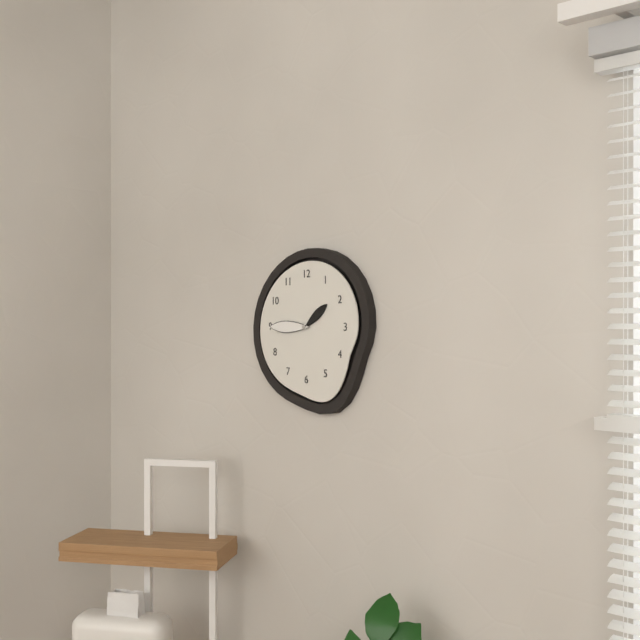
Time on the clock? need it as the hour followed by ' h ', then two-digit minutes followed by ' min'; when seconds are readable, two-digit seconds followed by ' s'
1 h 45 min
